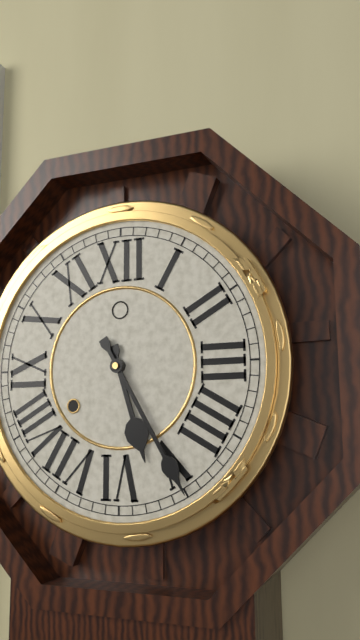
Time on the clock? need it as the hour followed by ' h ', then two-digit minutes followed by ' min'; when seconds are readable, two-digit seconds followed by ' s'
5 h 25 min
